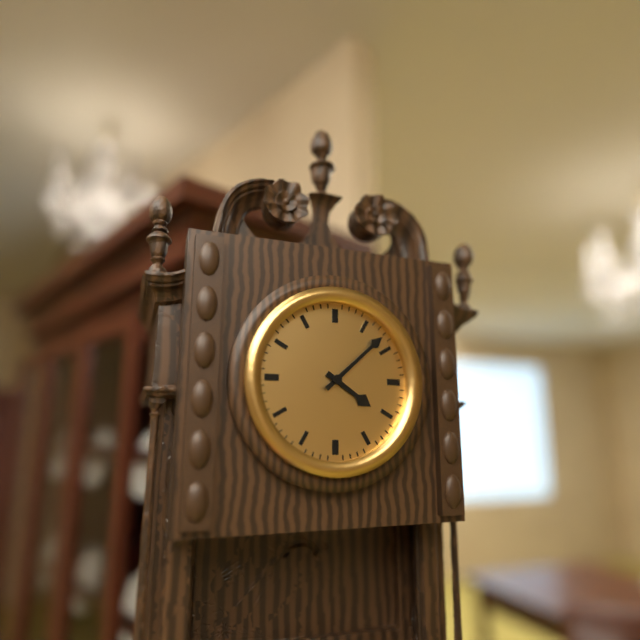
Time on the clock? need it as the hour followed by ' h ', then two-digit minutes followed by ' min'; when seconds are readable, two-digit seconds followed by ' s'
4 h 08 min
